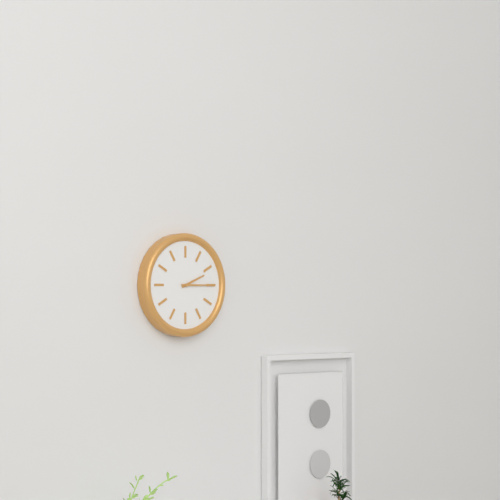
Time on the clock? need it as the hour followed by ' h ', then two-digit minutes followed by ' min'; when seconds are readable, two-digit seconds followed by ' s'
2 h 15 min
